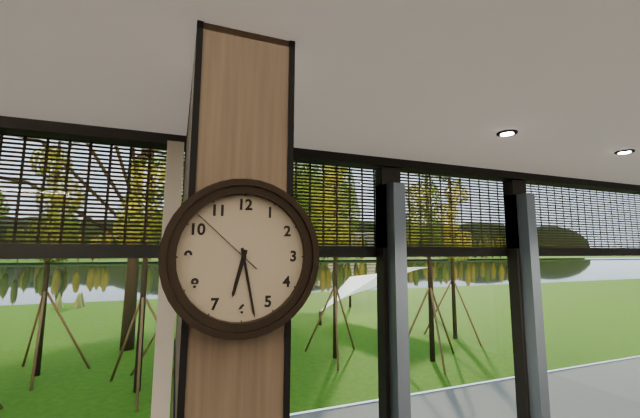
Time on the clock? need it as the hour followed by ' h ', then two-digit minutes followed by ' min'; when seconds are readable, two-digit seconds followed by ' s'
6 h 28 min 52 s
